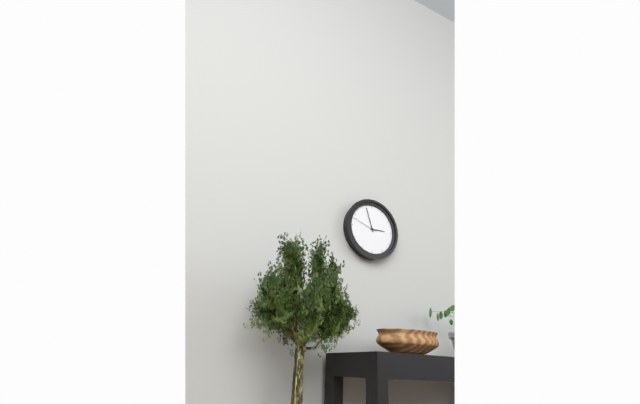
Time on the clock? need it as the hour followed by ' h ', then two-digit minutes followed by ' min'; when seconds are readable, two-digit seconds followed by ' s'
2 h 57 min
